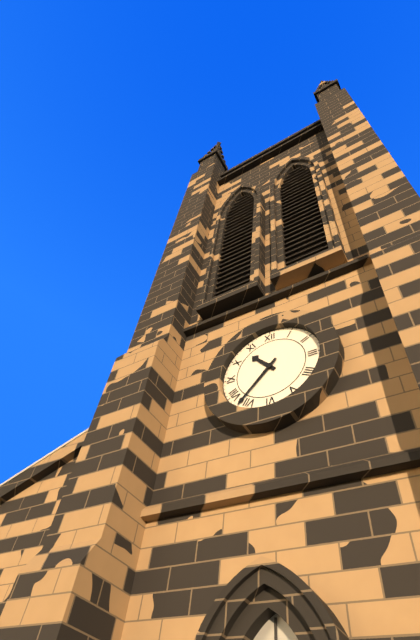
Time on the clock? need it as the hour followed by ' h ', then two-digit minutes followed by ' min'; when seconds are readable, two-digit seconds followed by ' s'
10 h 37 min
